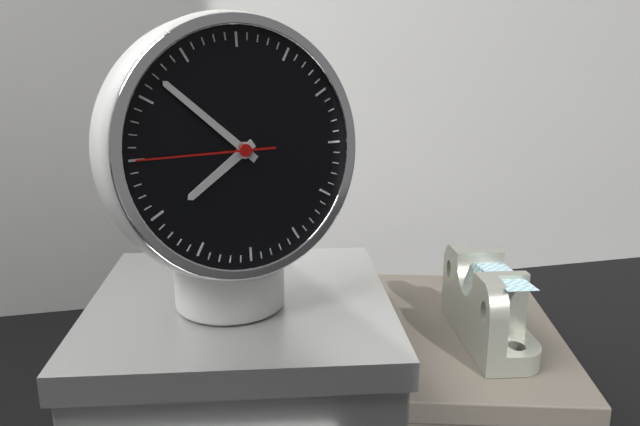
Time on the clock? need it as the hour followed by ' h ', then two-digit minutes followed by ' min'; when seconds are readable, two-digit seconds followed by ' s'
7 h 52 min 45 s
